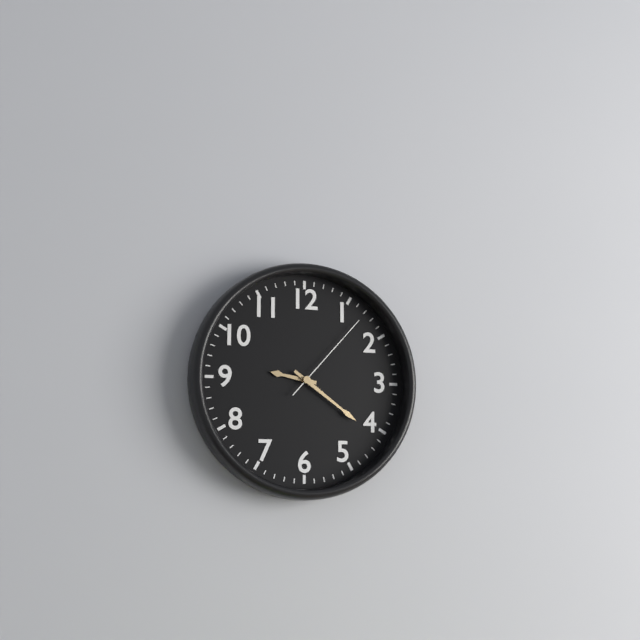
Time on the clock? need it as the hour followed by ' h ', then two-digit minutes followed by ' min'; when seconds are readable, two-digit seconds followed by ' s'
9 h 21 min 07 s
